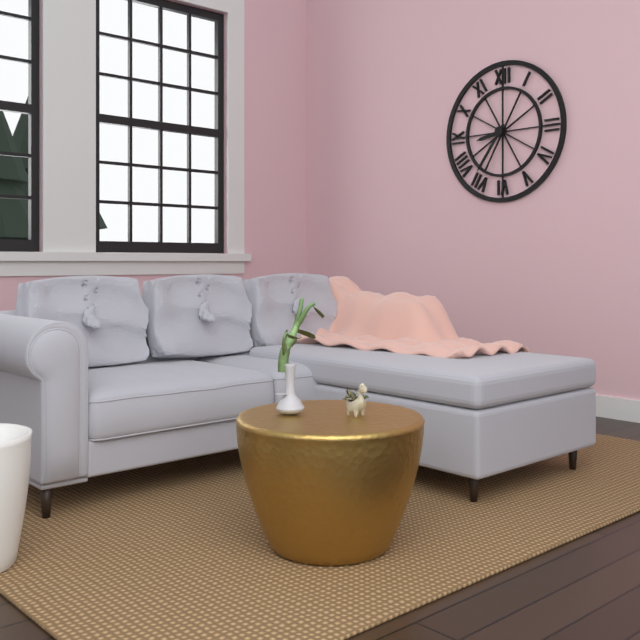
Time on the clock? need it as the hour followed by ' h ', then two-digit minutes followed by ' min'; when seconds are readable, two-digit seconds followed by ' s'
8 h 36 min
